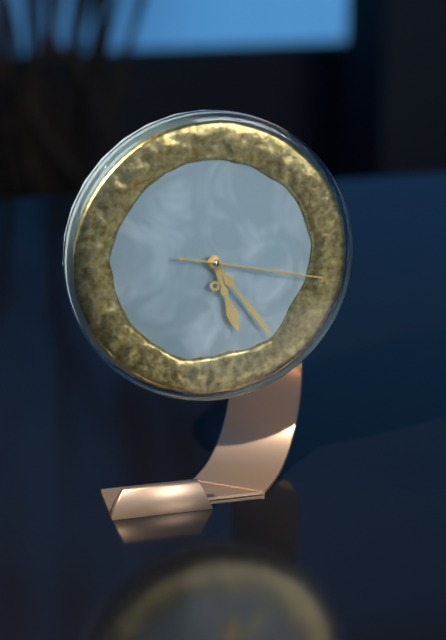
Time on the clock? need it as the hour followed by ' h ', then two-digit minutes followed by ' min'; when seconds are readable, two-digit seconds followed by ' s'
5 h 24 min 17 s
